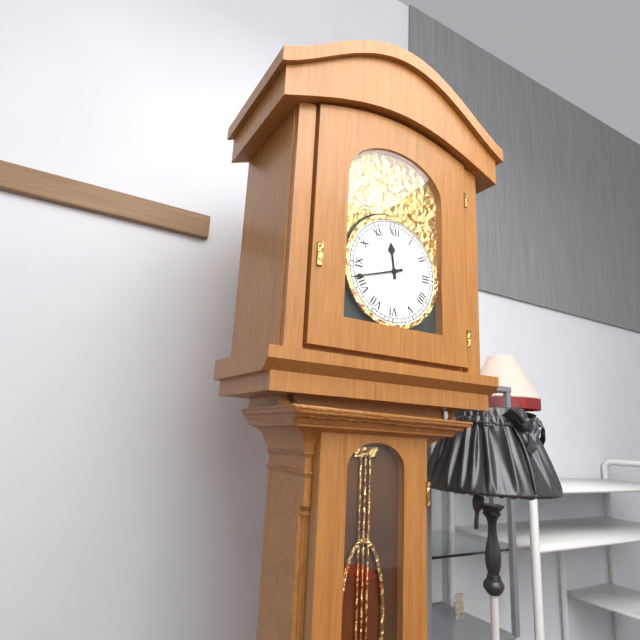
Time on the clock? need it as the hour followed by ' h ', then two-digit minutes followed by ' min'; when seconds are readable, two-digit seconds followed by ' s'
11 h 42 min
